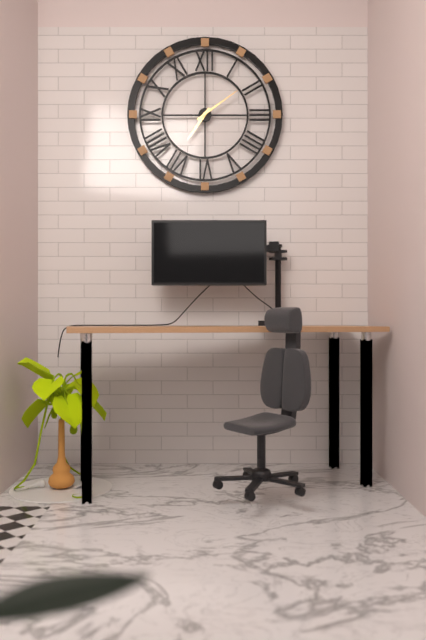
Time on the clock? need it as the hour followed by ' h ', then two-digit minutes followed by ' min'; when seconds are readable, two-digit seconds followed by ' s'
7 h 09 min
